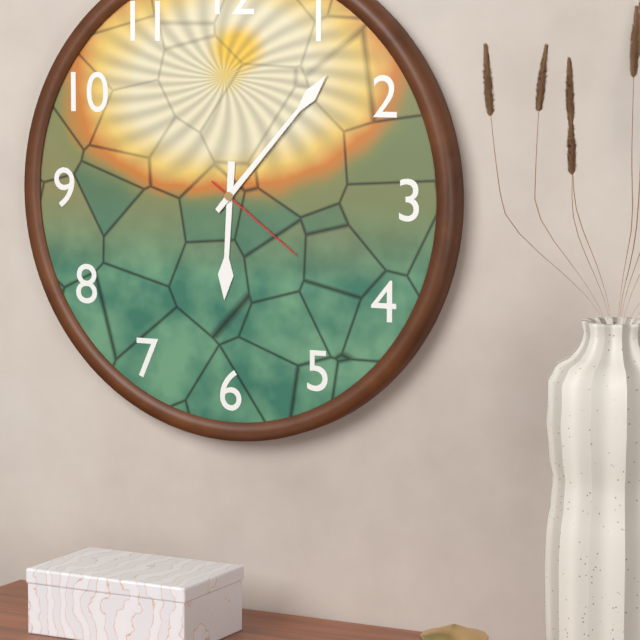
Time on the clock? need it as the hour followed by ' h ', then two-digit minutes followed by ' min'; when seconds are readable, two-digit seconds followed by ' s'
6 h 07 min 21 s
